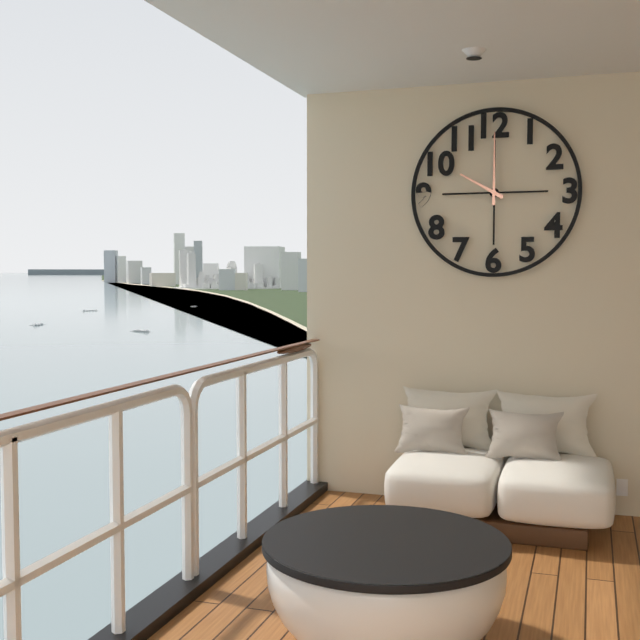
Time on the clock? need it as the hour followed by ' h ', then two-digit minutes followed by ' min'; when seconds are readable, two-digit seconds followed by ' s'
10 h 00 min
